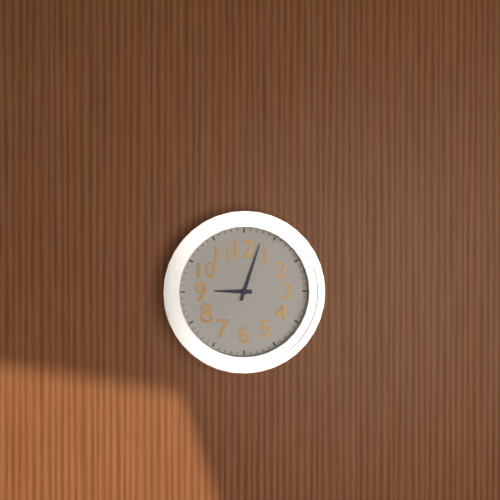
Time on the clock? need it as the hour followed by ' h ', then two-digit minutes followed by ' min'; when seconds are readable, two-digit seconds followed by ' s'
9 h 03 min
